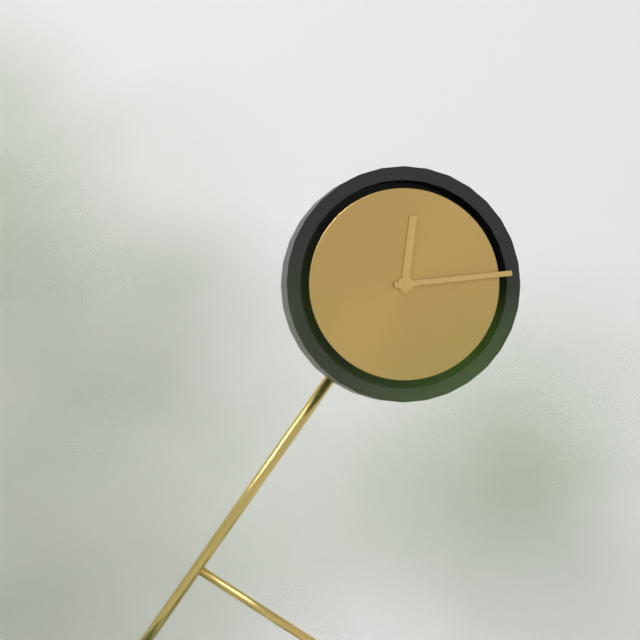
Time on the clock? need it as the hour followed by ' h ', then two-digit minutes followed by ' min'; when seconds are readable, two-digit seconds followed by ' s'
12 h 14 min
